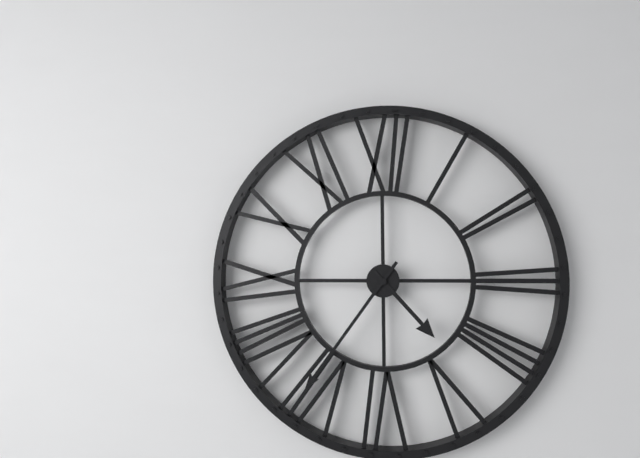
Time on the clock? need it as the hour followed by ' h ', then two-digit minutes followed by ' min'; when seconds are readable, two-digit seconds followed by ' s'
4 h 36 min
